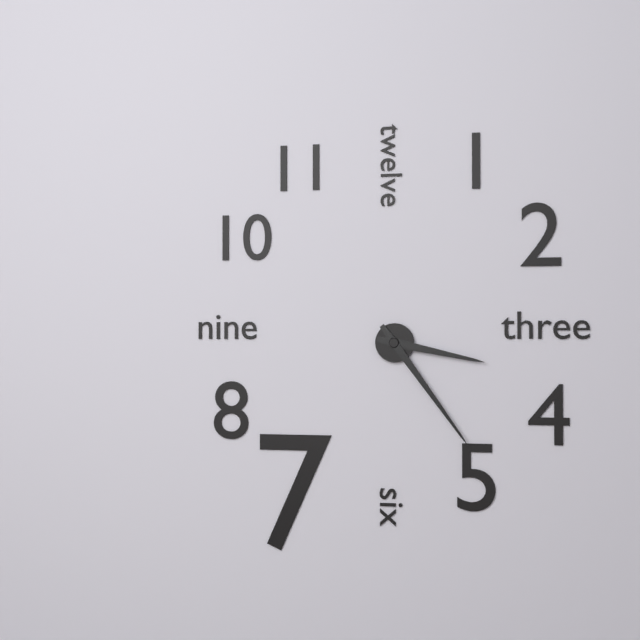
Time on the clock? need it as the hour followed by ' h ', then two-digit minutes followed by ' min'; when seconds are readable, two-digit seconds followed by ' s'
3 h 24 min
